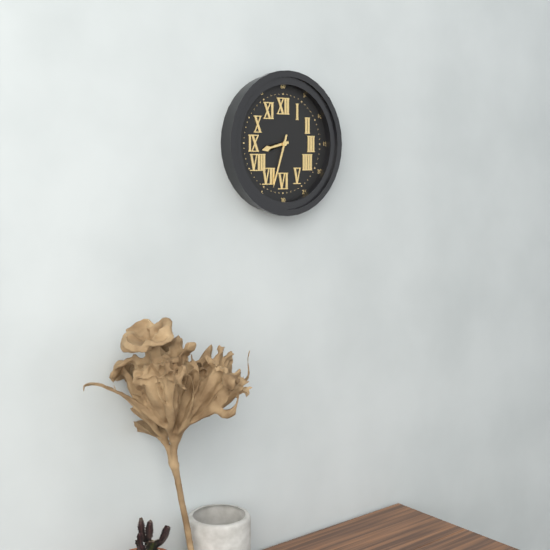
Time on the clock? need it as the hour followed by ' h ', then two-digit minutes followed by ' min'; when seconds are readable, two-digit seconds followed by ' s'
8 h 33 min
